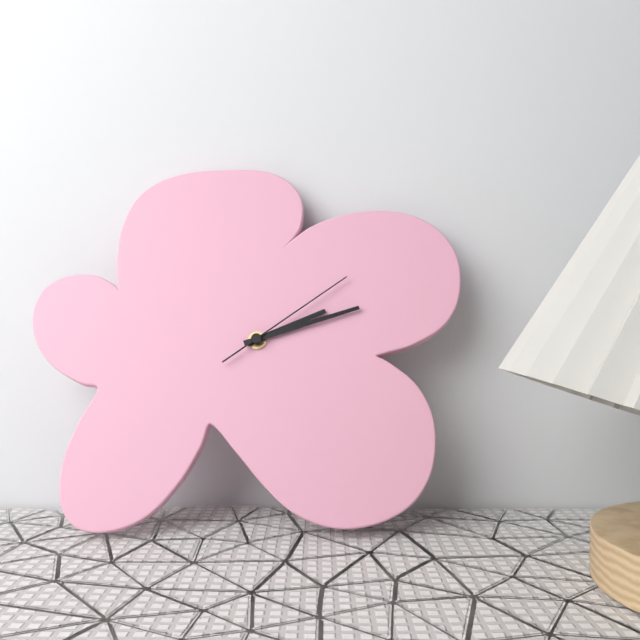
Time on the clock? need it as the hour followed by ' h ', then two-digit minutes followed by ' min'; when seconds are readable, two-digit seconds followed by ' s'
2 h 12 min 09 s
